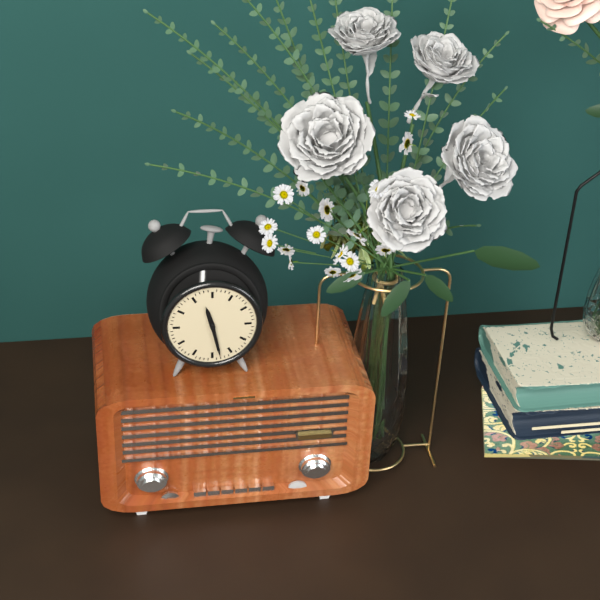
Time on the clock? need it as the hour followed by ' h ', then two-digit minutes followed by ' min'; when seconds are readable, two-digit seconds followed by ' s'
11 h 28 min
